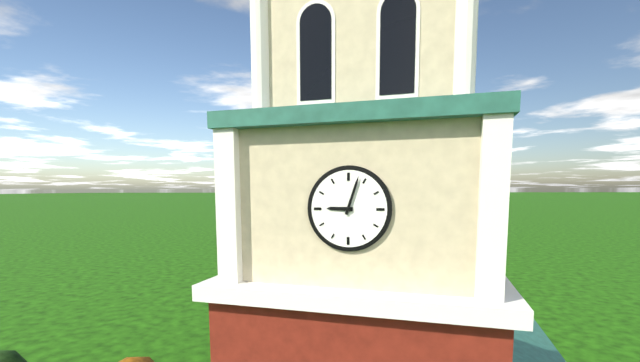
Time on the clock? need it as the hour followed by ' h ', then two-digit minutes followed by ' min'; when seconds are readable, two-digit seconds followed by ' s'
9 h 03 min
